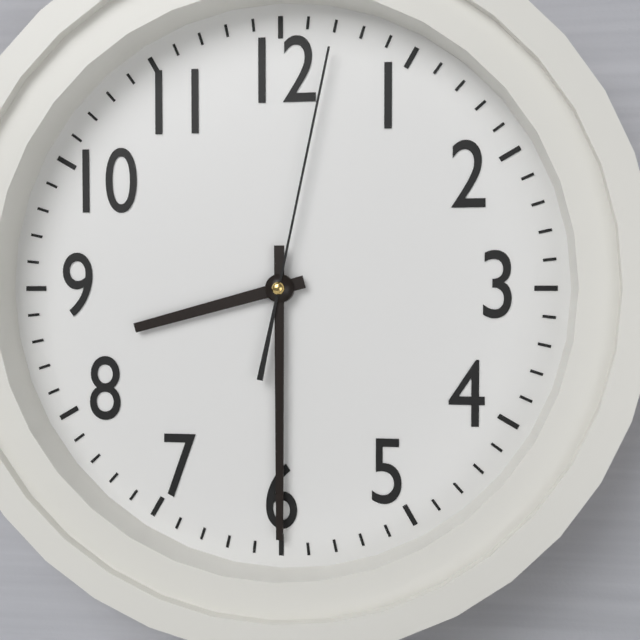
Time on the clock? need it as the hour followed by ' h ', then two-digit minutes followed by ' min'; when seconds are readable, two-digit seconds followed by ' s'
8 h 30 min 02 s
